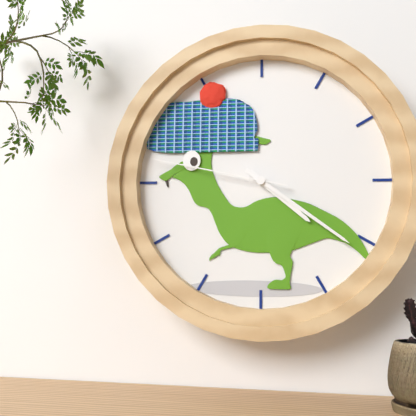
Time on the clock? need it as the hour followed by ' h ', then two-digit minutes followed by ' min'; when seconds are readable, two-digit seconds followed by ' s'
4 h 21 min 47 s
